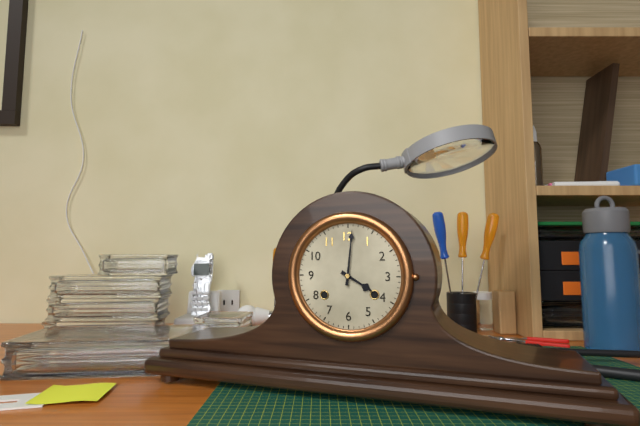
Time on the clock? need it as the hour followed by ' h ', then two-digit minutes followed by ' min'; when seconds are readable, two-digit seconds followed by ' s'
4 h 01 min
